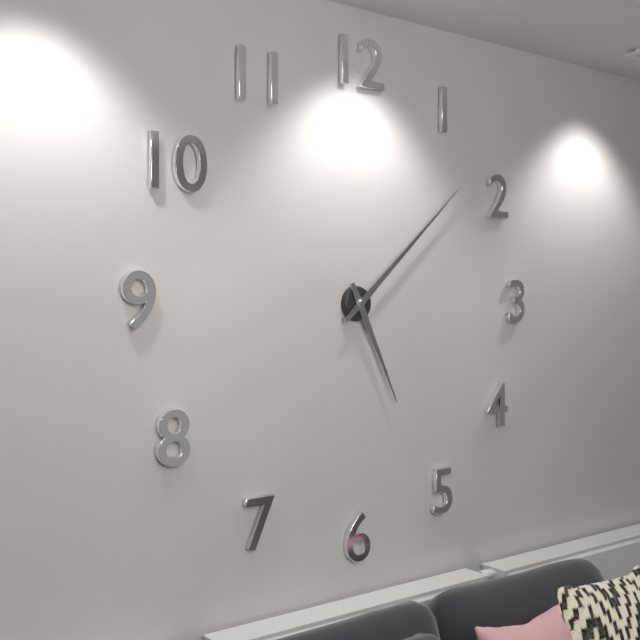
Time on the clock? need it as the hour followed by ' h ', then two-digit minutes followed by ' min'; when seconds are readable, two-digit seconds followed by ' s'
5 h 08 min
